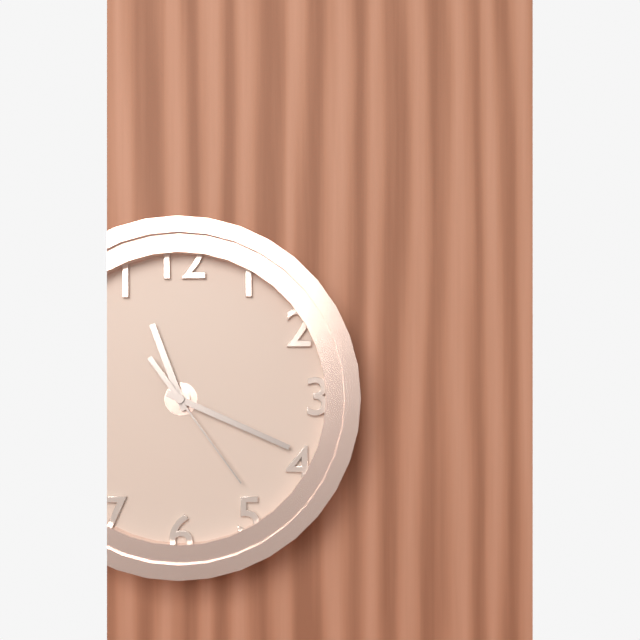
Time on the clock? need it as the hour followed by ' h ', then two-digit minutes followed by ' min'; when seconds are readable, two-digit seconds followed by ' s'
11 h 19 min 24 s
